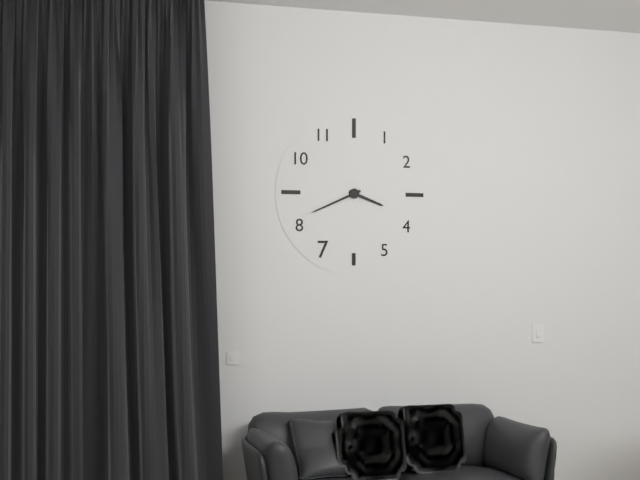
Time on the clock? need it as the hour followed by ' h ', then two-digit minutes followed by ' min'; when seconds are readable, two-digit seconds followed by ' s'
3 h 41 min
